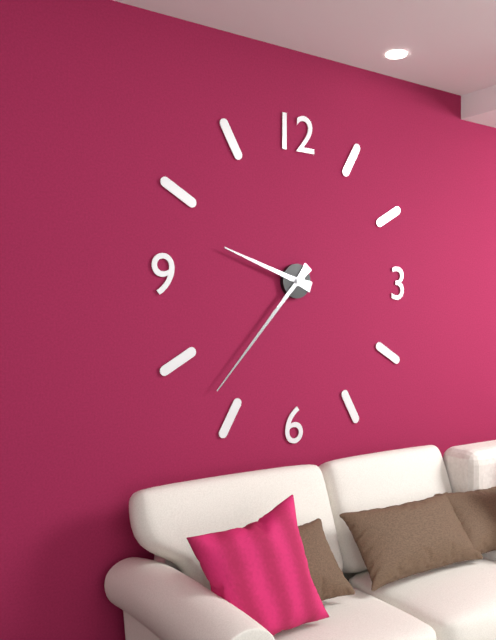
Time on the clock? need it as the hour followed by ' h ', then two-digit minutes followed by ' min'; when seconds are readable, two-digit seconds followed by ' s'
9 h 37 min
